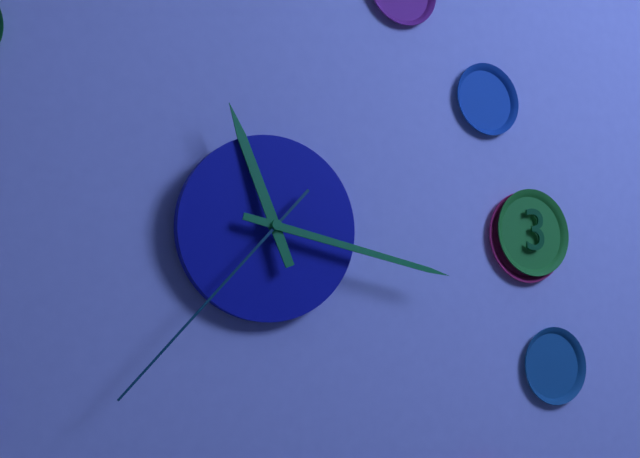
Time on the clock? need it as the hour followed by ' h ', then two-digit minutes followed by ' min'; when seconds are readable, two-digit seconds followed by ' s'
11 h 17 min 37 s
